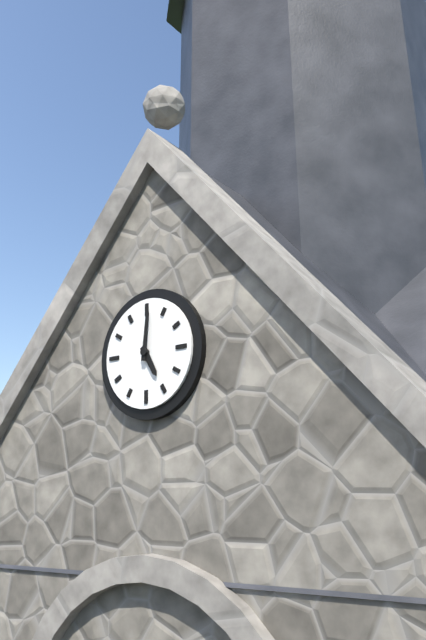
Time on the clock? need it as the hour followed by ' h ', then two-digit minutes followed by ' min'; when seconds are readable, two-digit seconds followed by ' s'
5 h 01 min
